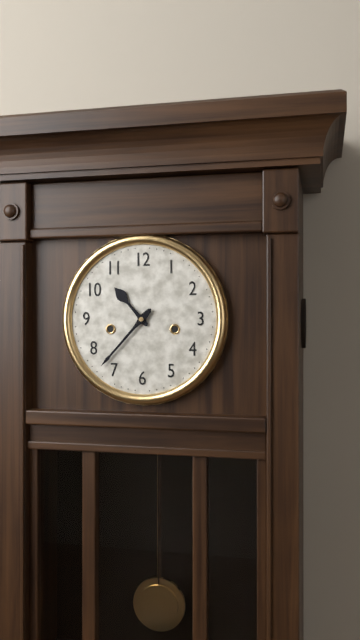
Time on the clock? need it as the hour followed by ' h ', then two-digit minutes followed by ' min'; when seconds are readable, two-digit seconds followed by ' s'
10 h 37 min
